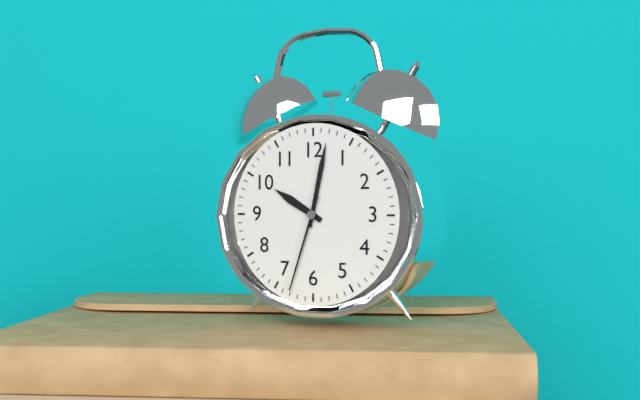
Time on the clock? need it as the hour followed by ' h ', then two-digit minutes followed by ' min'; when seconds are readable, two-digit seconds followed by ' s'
10 h 02 min 33 s
